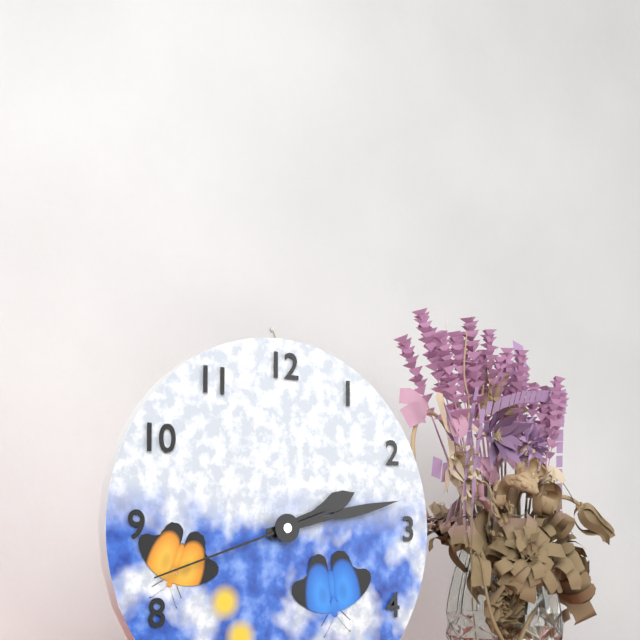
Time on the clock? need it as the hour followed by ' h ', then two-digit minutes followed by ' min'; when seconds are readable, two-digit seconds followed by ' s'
2 h 13 min 42 s
